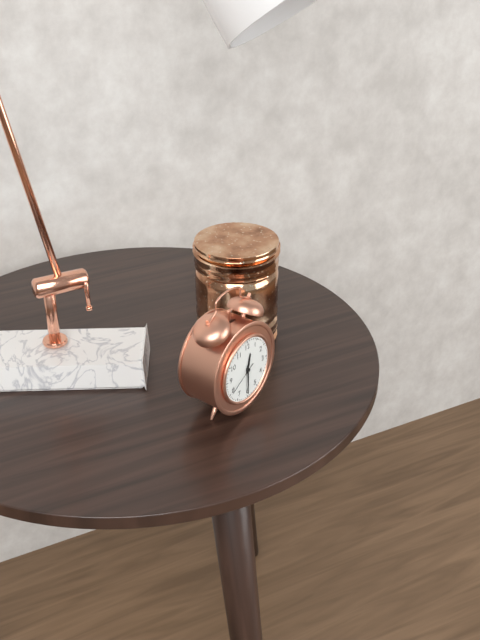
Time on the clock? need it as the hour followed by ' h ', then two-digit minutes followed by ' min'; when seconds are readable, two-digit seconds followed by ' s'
12 h 30 min
